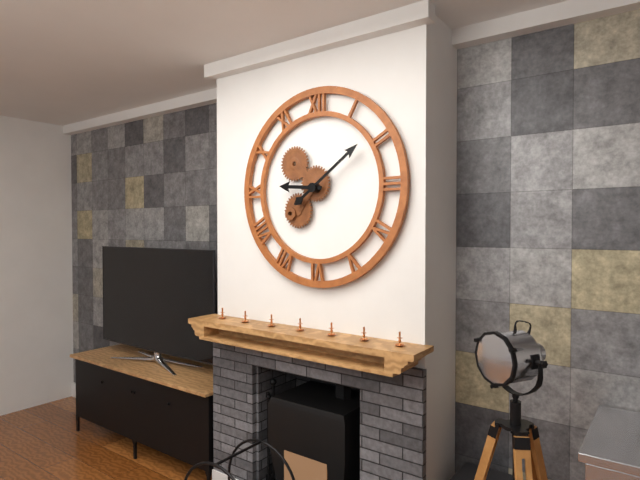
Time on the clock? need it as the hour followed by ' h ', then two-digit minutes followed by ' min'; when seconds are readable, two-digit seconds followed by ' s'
9 h 09 min
